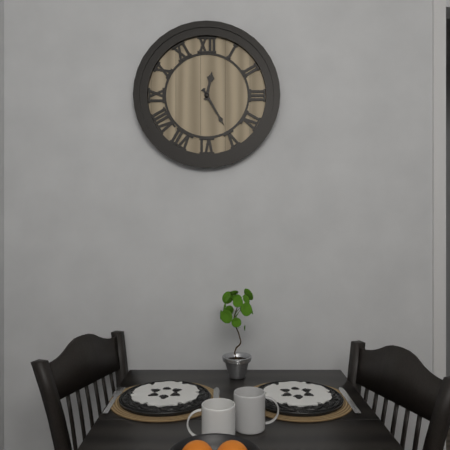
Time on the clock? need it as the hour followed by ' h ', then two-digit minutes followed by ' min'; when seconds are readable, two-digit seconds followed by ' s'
12 h 25 min
